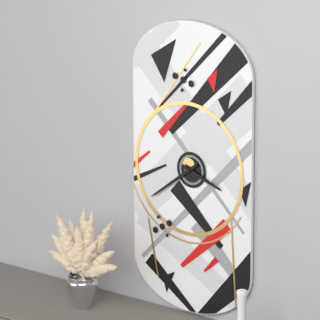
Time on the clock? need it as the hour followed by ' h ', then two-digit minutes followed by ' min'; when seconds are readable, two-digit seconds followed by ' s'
3 h 39 min
